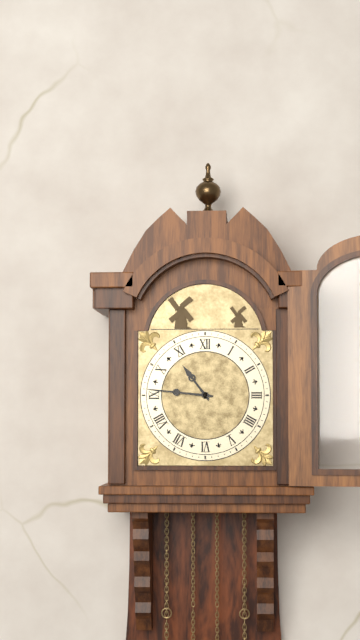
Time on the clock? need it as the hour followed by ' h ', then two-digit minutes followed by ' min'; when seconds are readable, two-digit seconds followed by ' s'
10 h 46 min
